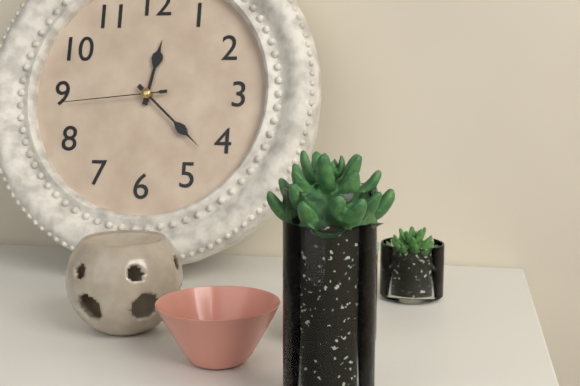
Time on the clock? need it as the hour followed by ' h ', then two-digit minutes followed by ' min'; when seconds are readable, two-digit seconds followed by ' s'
12 h 22 min 44 s
